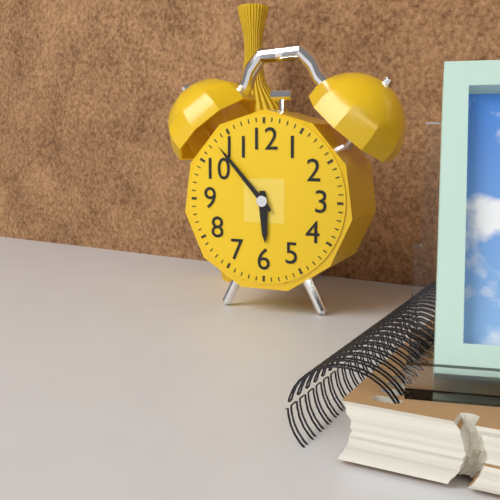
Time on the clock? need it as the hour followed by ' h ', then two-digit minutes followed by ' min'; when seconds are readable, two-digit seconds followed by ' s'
5 h 53 min
